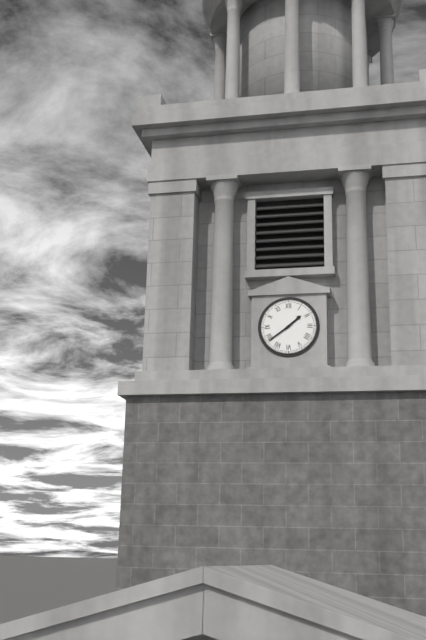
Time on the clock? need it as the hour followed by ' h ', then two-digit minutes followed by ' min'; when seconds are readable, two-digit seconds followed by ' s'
1 h 39 min
